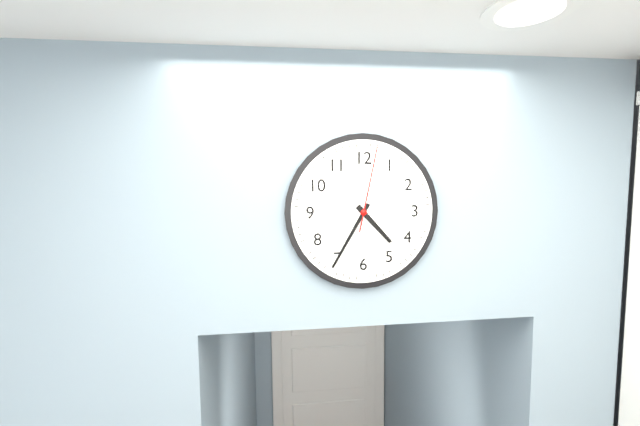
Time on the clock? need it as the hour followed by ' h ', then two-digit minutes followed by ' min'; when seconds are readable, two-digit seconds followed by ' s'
4 h 35 min 02 s
